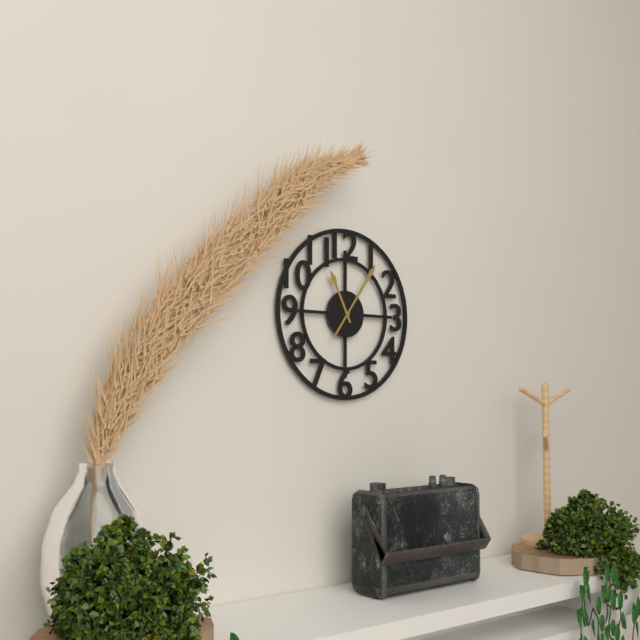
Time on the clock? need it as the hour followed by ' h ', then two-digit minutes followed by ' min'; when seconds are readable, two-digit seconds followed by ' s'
11 h 06 min
